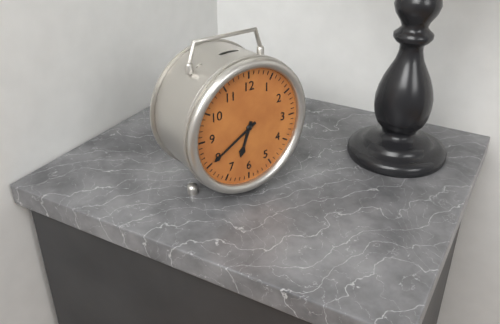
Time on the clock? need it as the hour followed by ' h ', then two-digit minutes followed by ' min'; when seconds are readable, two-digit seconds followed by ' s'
6 h 40 min
